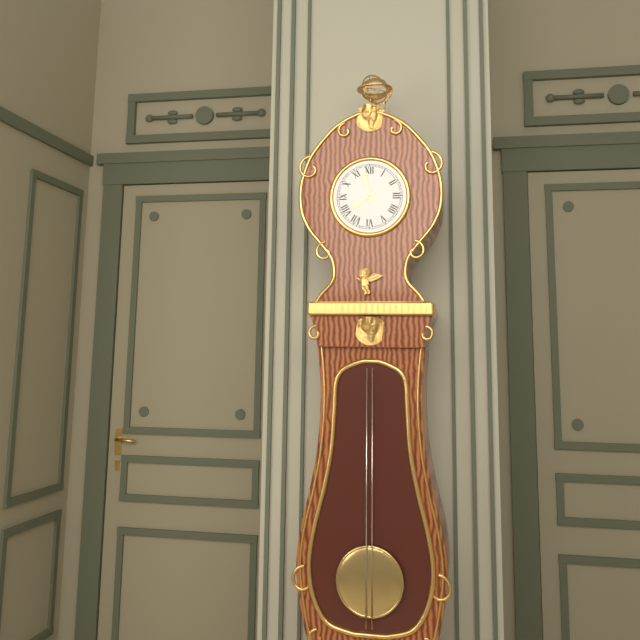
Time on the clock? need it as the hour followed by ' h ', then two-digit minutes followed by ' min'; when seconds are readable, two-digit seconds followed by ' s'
7 h 58 min
